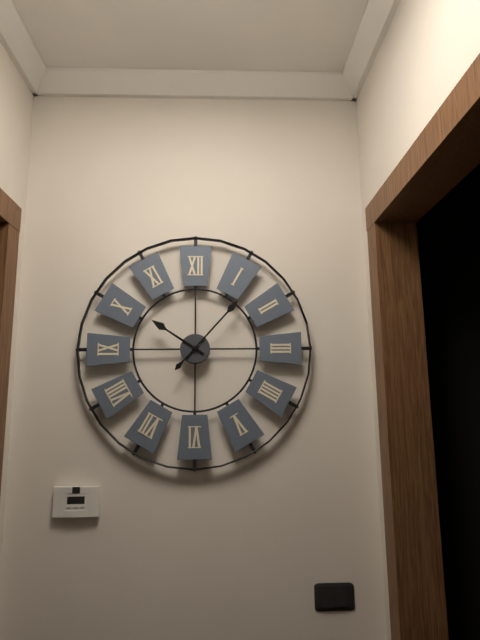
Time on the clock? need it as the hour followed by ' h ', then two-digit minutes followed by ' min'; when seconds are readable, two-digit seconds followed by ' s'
10 h 07 min
